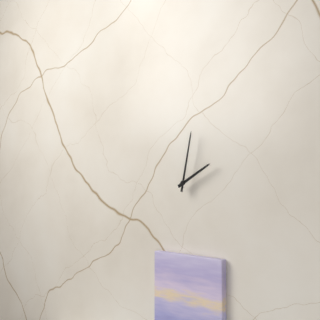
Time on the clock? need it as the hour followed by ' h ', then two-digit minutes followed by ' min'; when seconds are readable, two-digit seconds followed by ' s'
2 h 02 min
